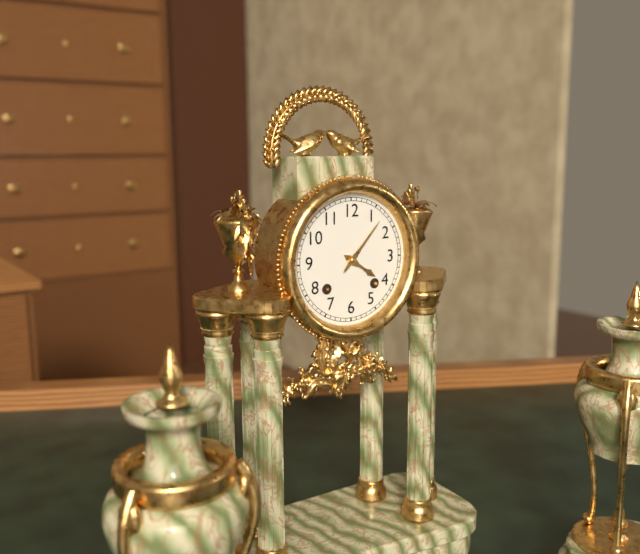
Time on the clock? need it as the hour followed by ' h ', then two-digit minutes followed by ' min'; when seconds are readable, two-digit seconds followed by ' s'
4 h 07 min
